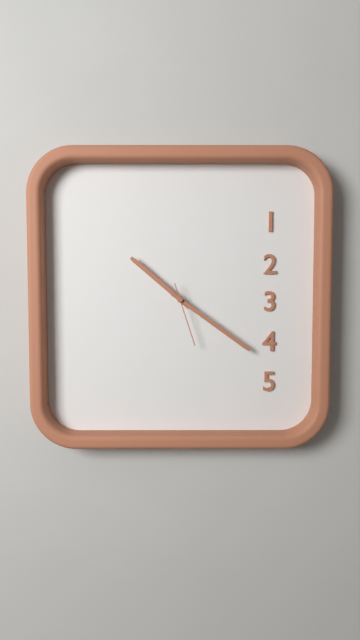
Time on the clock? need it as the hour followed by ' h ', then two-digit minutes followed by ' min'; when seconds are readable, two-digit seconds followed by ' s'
10 h 21 min 27 s
